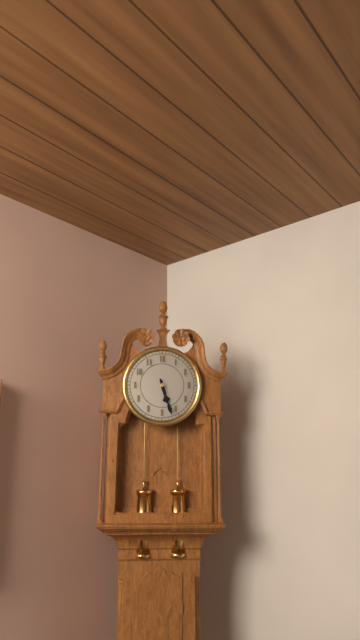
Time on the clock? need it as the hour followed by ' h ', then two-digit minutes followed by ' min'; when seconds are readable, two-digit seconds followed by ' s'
5 h 27 min
